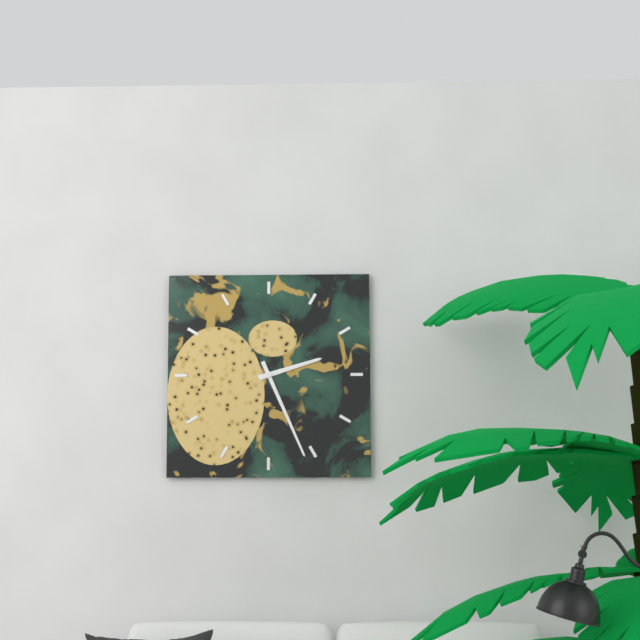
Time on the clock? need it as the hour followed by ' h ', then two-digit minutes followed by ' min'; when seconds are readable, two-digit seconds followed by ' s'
2 h 26 min
